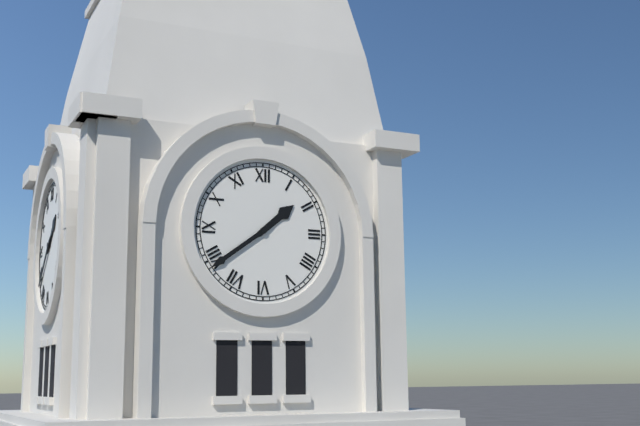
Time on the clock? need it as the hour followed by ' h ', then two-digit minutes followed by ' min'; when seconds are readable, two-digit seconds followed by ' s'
1 h 39 min
